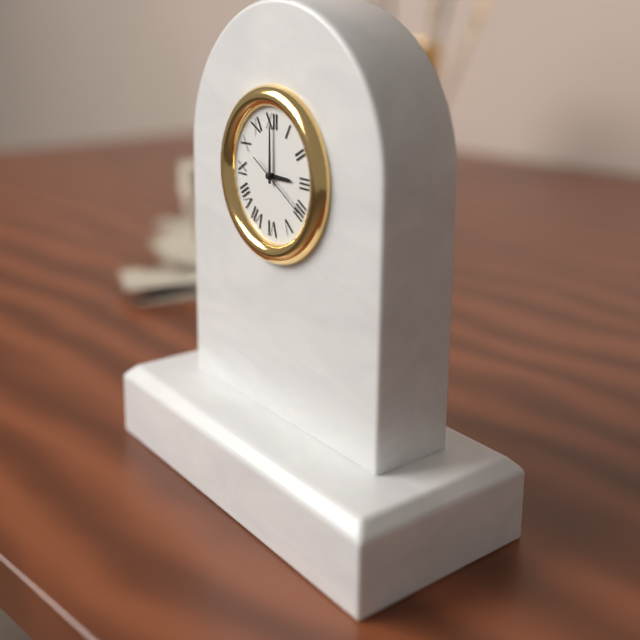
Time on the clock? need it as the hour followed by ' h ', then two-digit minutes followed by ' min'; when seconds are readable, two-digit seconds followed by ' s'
3 h 00 min 20 s
